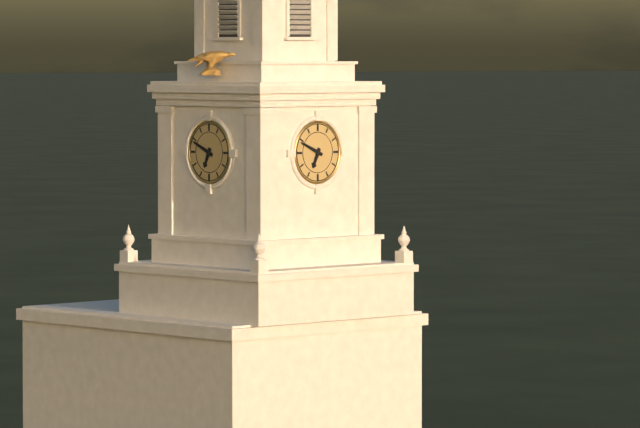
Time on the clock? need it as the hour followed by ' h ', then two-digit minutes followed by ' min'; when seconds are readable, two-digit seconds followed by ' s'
6 h 49 min
